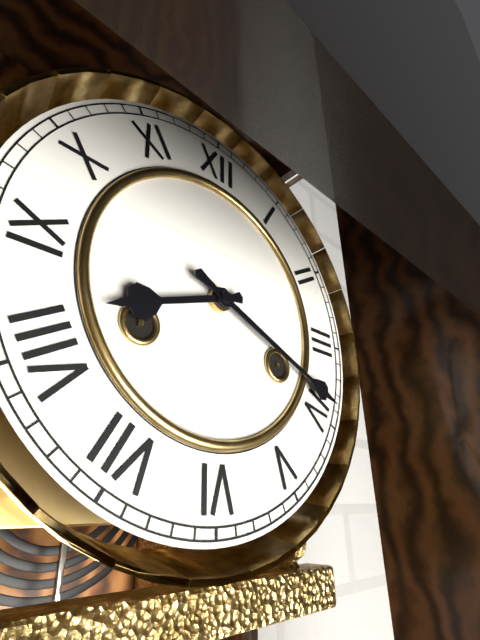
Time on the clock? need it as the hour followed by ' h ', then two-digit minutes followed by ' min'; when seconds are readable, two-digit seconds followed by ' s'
8 h 19 min
